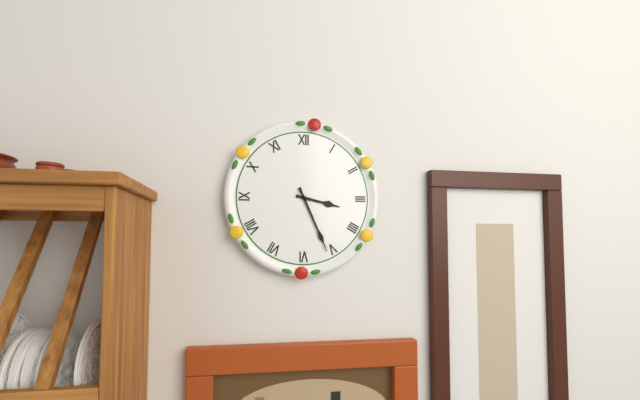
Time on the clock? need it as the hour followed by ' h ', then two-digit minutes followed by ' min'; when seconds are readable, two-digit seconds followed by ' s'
3 h 26 min
